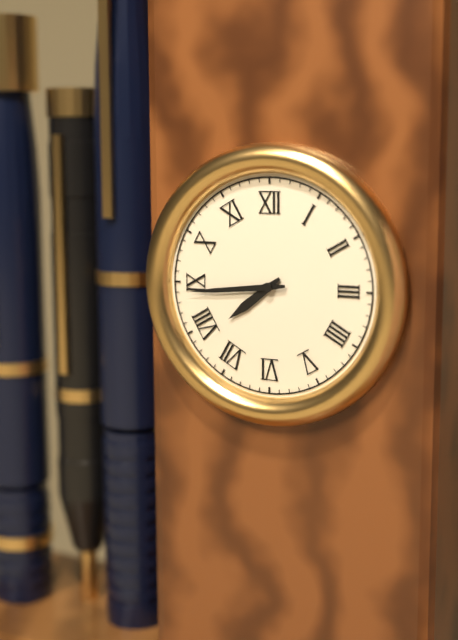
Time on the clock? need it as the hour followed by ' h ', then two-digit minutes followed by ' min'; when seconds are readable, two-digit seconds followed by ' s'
7 h 44 min
